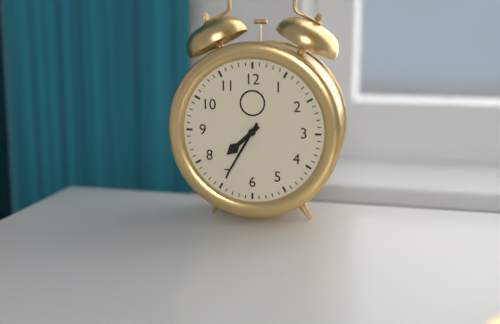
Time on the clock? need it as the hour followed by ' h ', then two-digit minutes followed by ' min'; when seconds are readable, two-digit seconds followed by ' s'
7 h 35 min
